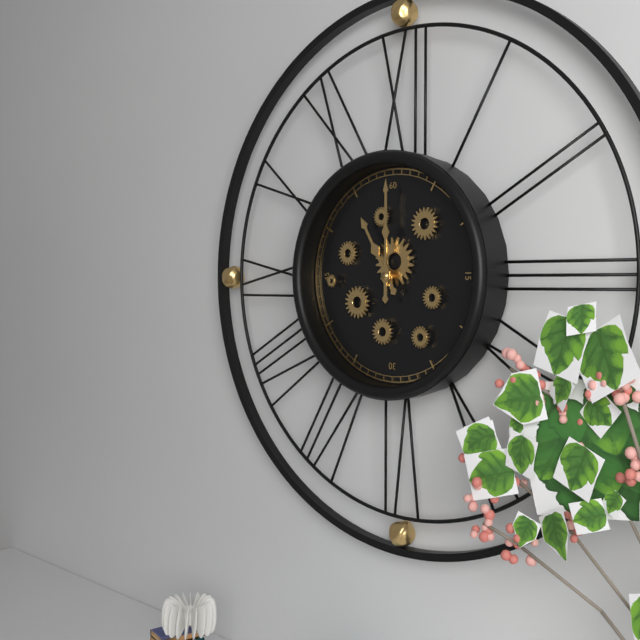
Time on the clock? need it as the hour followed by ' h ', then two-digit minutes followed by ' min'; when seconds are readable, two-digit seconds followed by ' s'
11 h 00 min
